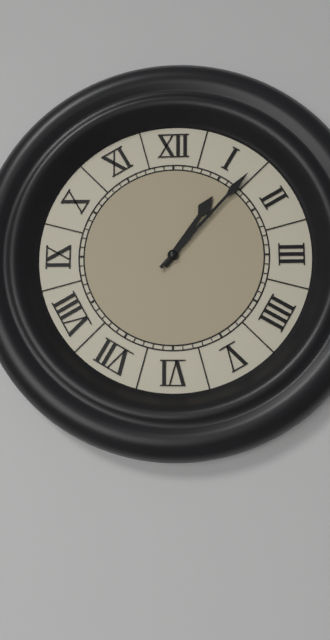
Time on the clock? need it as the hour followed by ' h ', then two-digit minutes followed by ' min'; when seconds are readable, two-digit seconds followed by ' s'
1 h 07 min
